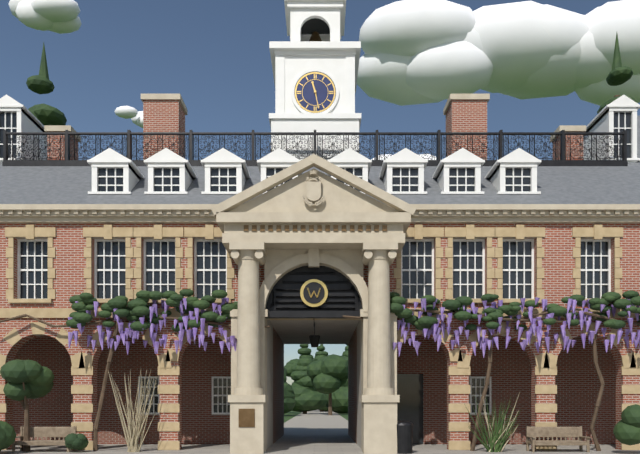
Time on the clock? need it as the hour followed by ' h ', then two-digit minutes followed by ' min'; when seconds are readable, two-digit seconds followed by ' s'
11 h 28 min
